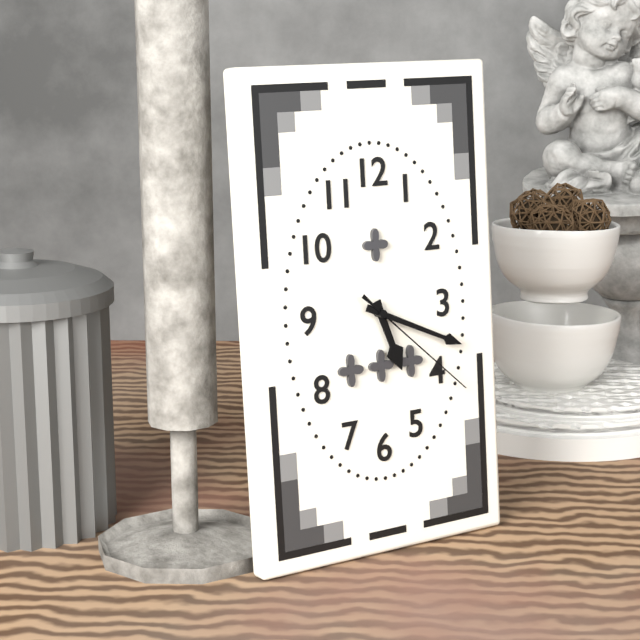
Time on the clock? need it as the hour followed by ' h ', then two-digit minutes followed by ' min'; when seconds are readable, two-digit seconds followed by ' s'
5 h 19 min 22 s
